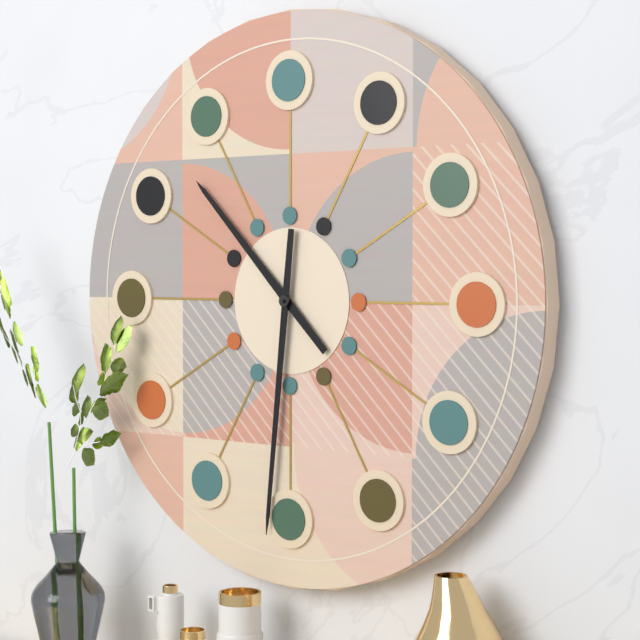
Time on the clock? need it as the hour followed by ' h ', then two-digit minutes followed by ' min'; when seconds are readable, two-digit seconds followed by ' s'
10 h 31 min
